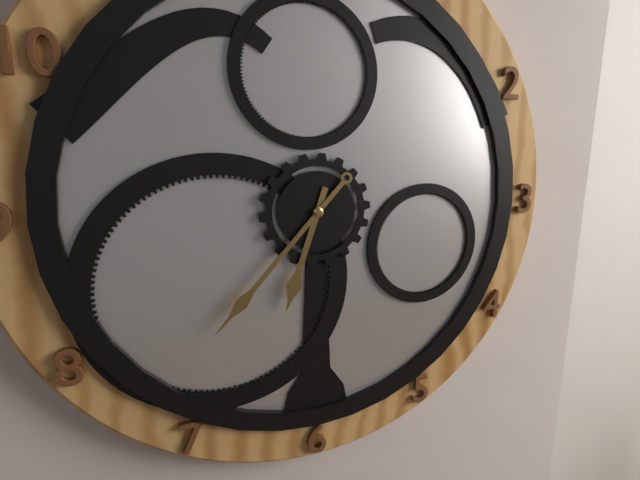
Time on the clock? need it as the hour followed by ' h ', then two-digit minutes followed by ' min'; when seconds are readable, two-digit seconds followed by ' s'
6 h 37 min
